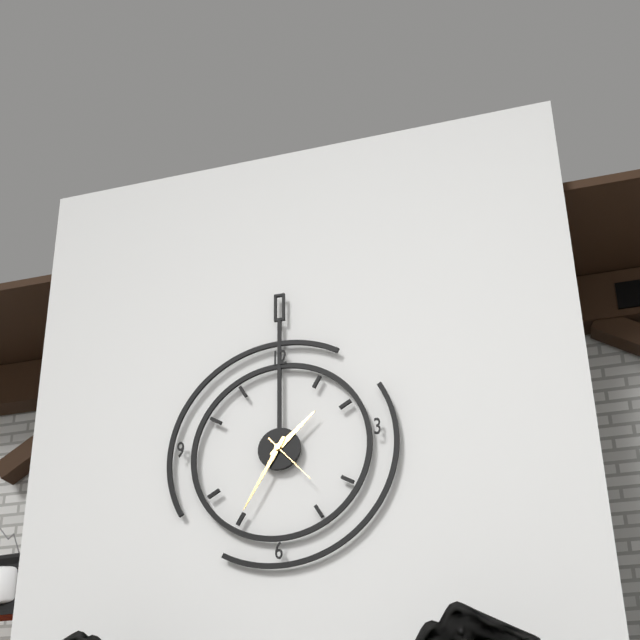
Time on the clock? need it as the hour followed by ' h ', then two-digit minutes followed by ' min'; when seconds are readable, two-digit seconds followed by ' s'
1 h 35 min 23 s
